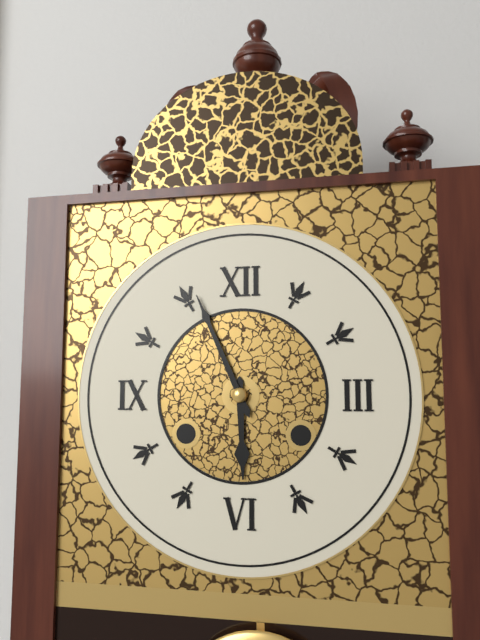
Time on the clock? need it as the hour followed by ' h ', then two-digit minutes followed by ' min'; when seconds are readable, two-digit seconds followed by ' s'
5 h 56 min
